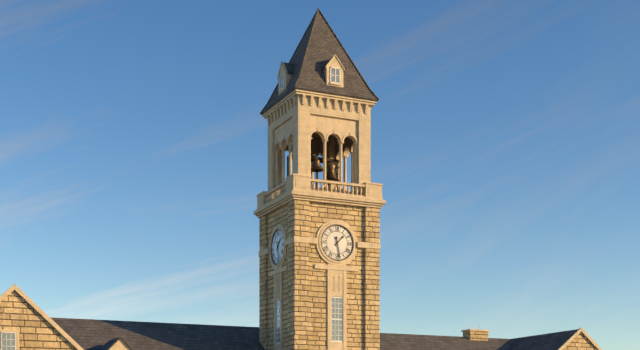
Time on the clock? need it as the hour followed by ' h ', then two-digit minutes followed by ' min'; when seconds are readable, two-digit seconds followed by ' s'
1 h 28 min
